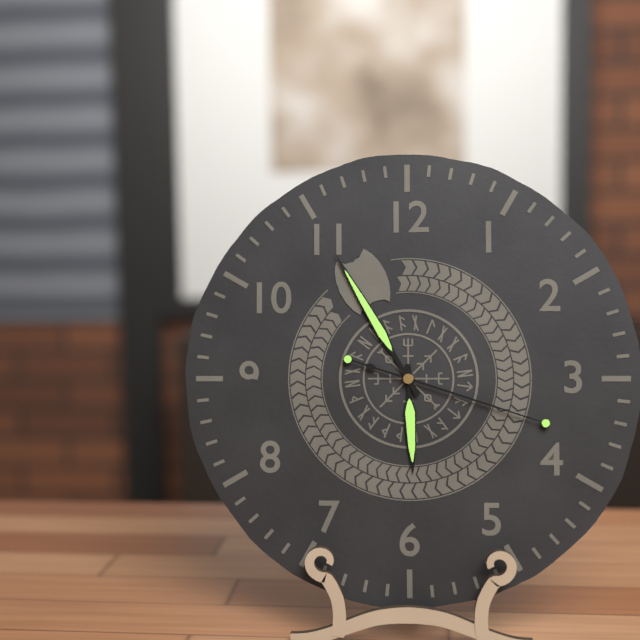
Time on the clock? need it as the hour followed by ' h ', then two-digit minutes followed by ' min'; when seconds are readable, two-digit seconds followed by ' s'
5 h 55 min 18 s
